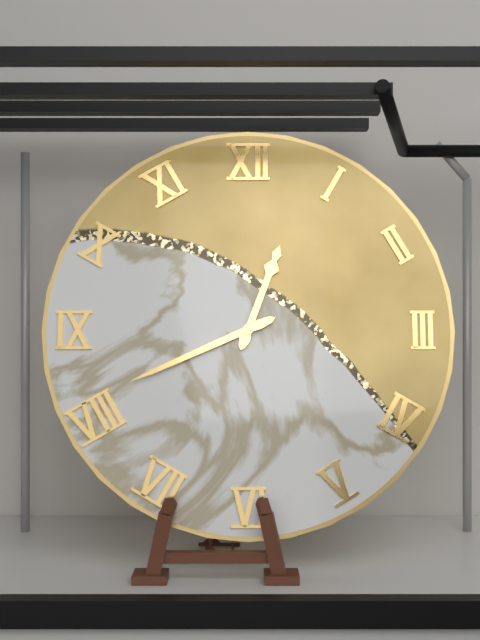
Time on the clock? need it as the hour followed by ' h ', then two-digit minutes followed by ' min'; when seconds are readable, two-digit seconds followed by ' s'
12 h 41 min
